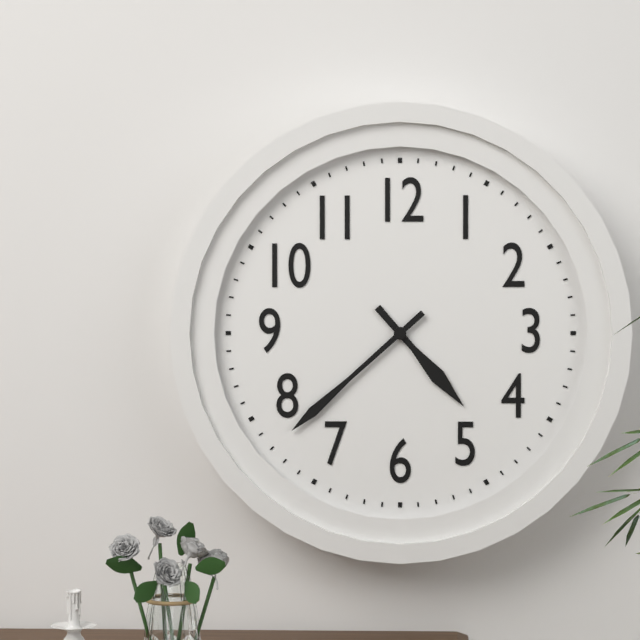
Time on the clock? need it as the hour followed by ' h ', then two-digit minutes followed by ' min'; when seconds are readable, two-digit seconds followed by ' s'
4 h 38 min
